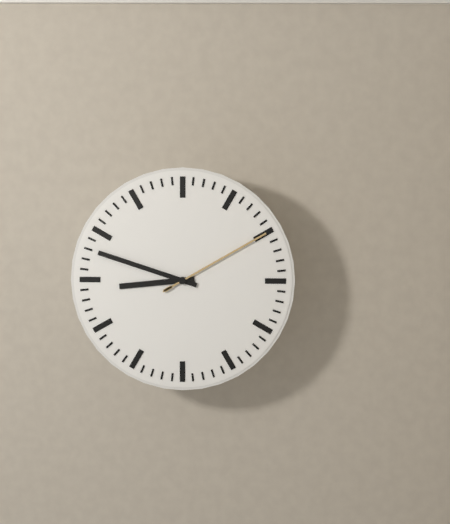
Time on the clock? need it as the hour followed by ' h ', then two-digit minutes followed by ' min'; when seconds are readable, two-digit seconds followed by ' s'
8 h 48 min 10 s
